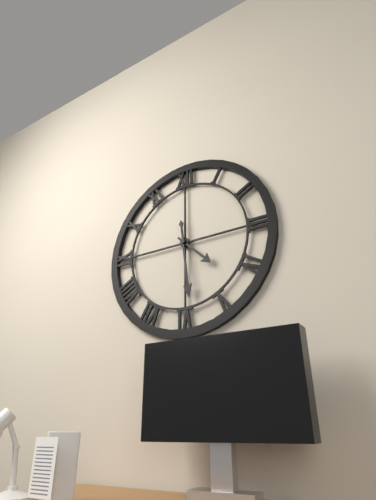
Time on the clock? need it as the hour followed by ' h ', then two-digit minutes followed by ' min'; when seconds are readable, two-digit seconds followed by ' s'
4 h 29 min
